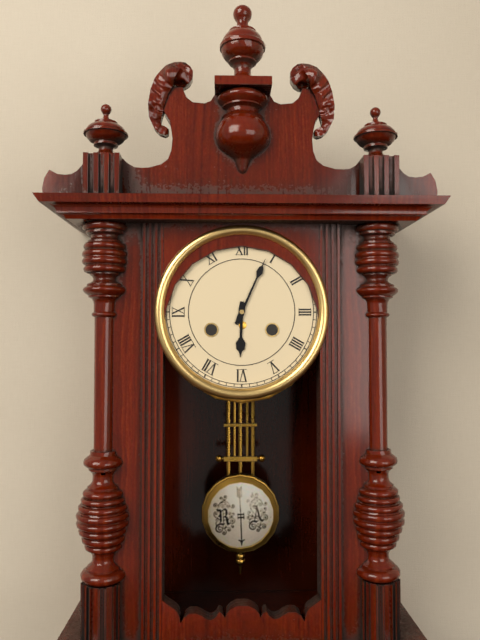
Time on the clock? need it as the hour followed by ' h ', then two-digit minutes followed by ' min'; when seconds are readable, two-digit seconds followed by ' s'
6 h 04 min
